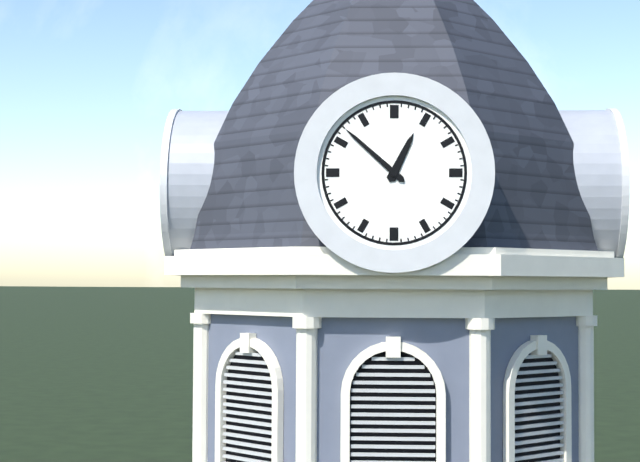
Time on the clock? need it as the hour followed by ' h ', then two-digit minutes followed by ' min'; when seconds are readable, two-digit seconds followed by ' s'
12 h 52 min
